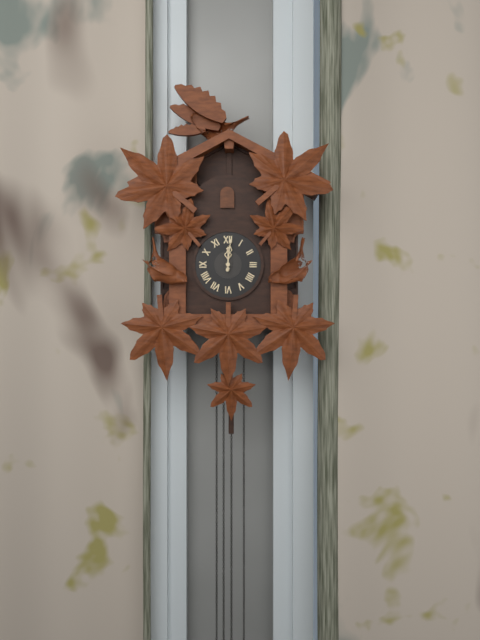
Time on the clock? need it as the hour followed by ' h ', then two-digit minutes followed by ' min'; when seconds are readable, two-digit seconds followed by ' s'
12 h 01 min
